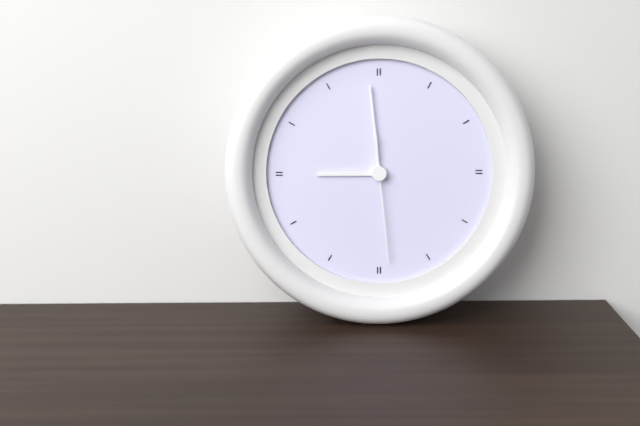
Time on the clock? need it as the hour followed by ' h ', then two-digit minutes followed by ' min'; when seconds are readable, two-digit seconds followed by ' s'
8 h 59 min 29 s
